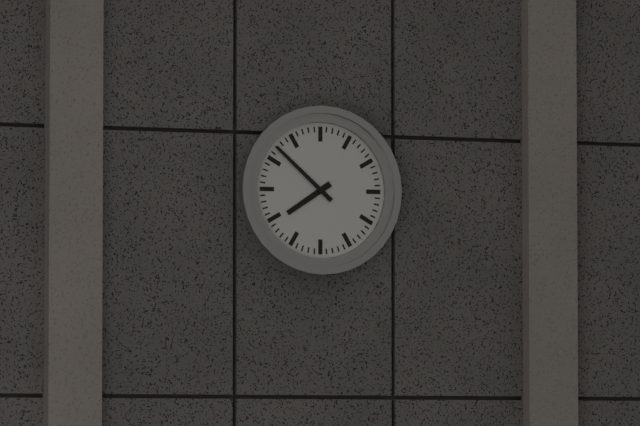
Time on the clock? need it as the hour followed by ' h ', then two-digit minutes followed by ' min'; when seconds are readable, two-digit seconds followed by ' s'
7 h 52 min
